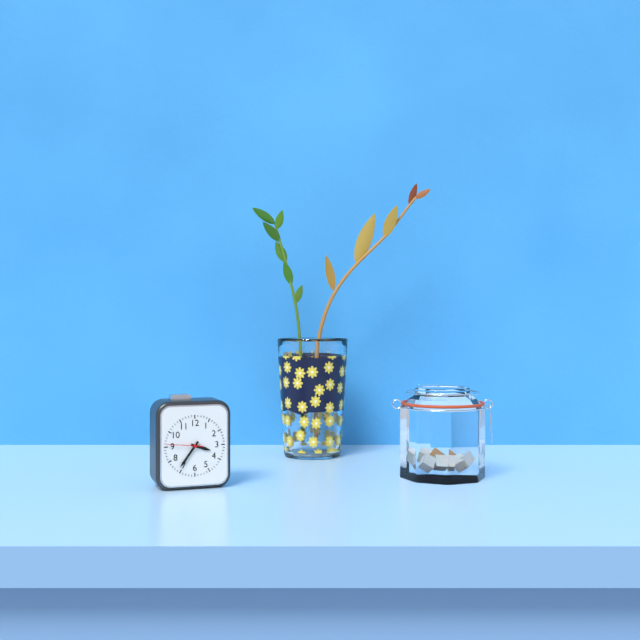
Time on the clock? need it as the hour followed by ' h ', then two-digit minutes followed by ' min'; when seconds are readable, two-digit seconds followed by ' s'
3 h 36 min
